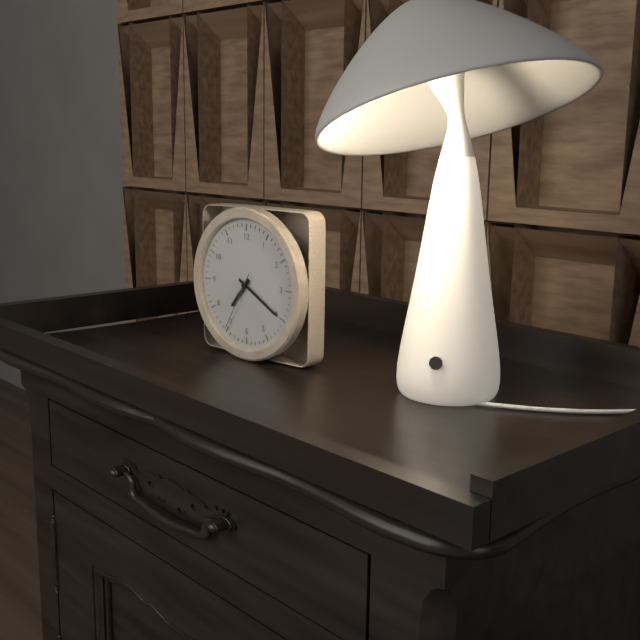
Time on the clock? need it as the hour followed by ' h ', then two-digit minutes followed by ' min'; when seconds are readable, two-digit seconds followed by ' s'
7 h 20 min 35 s
